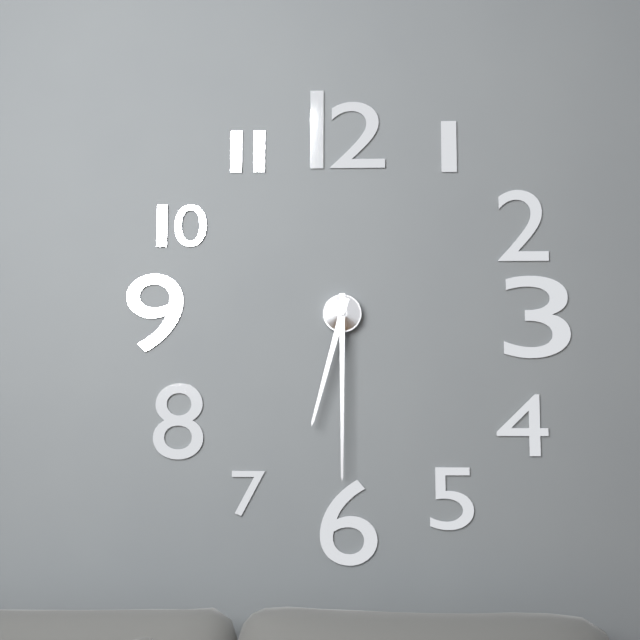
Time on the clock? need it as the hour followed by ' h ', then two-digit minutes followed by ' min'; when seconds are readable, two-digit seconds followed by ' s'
6 h 30 min
